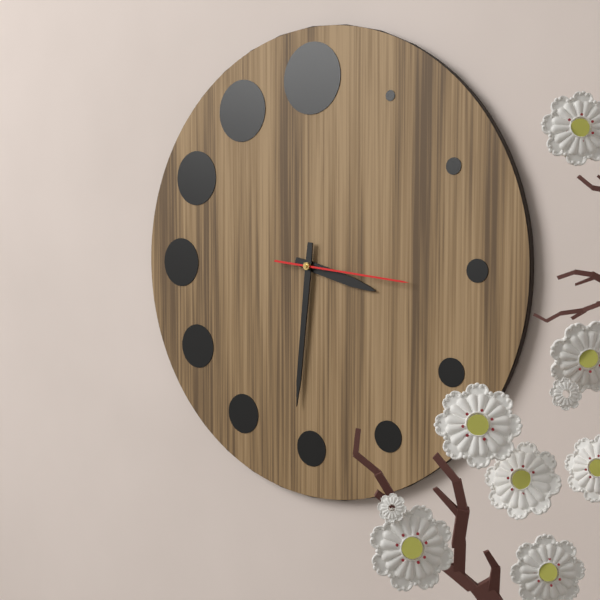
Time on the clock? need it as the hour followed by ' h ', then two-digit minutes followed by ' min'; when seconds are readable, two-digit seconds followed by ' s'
3 h 31 min 16 s
